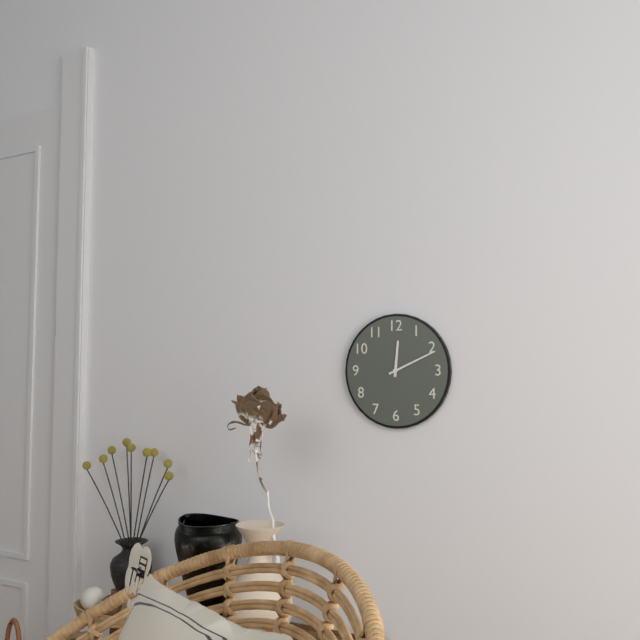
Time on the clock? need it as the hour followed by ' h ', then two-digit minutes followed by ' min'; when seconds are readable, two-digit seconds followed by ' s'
12 h 11 min
